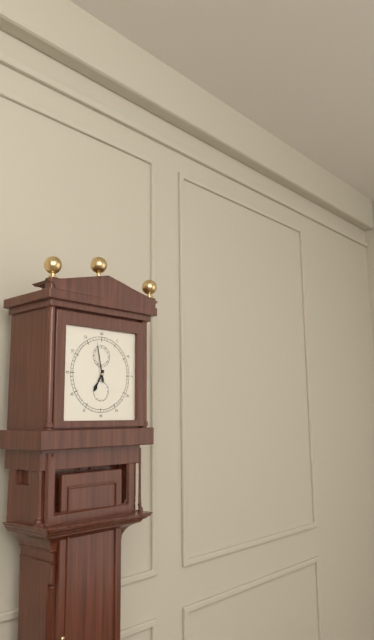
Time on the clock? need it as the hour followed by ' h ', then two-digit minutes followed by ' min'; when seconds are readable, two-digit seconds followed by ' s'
6 h 58 min
